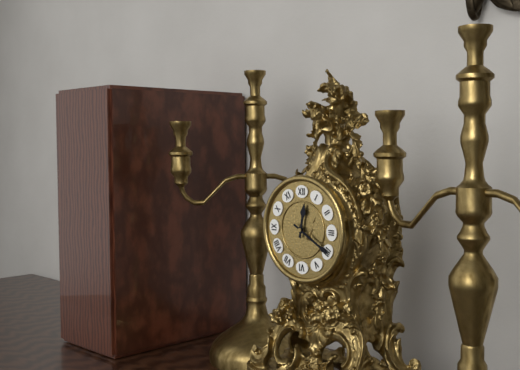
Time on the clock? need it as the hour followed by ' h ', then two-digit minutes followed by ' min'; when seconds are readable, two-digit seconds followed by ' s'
12 h 20 min
